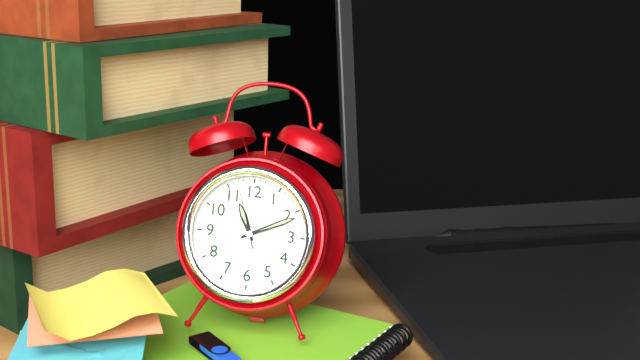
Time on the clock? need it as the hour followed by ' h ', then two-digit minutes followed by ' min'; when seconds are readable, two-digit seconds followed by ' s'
11 h 11 min 57 s
